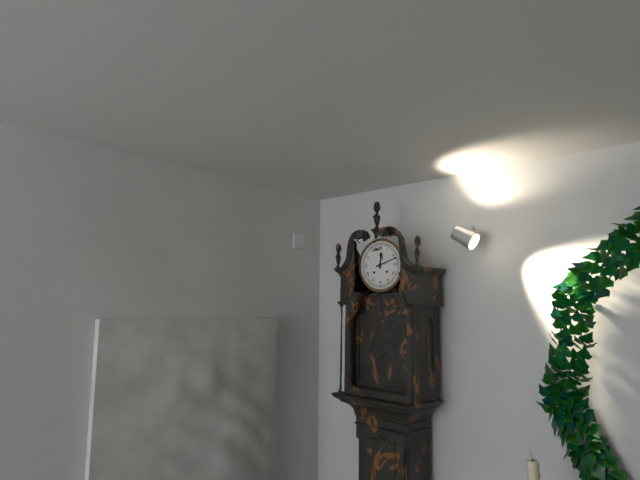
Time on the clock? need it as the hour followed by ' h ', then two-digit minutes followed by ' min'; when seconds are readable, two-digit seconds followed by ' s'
12 h 12 min
